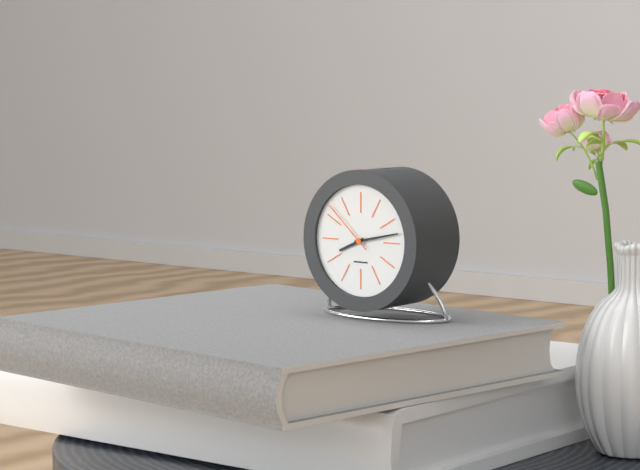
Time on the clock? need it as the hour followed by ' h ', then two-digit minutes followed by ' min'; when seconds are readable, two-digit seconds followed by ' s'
8 h 13 min 52 s
